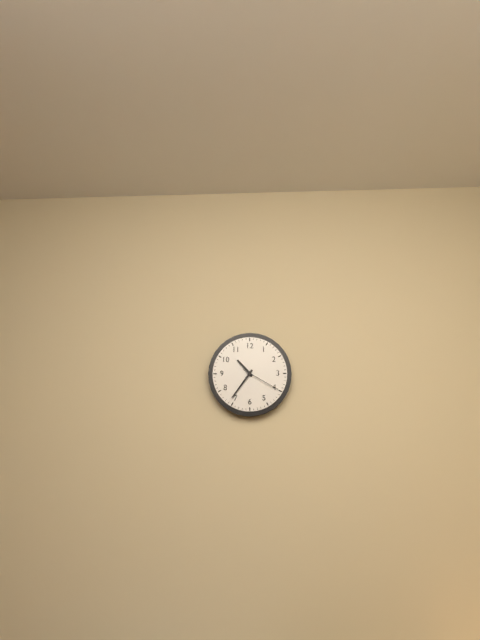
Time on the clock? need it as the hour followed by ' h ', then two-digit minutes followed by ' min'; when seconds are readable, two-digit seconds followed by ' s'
10 h 36 min
